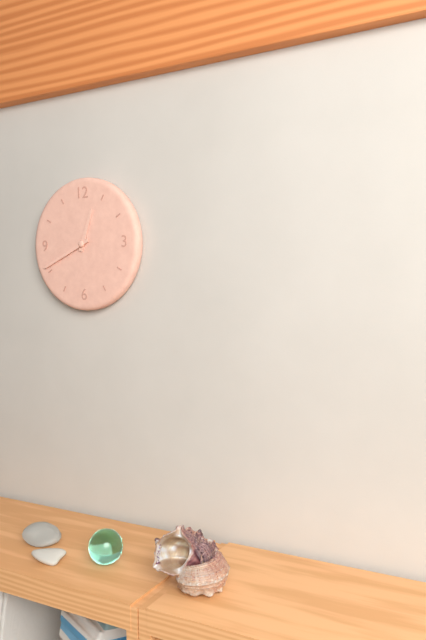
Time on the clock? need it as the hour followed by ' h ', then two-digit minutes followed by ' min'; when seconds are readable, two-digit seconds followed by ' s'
12 h 41 min
